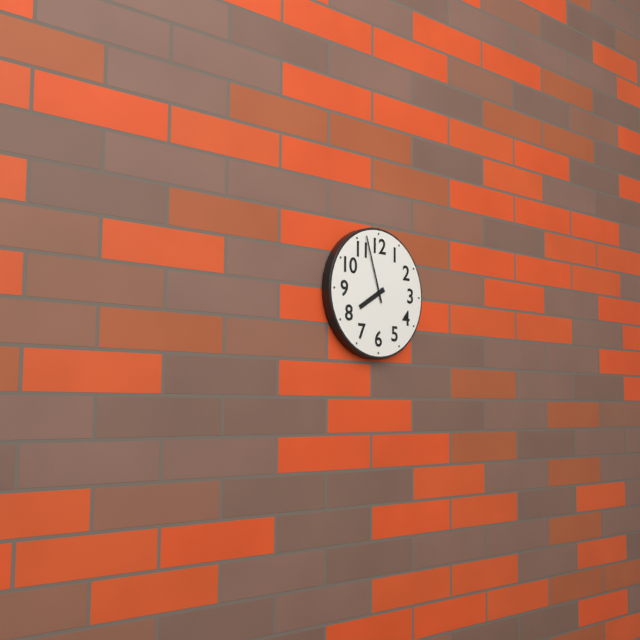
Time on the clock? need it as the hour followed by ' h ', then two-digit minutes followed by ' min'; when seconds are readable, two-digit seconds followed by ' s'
7 h 57 min
